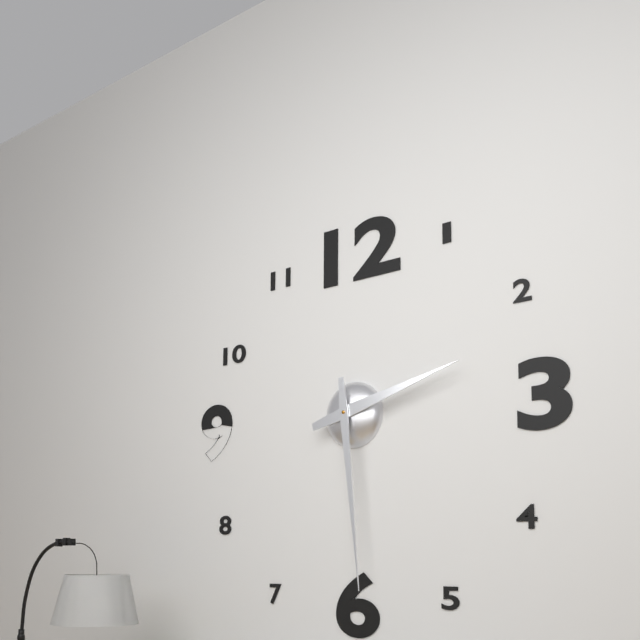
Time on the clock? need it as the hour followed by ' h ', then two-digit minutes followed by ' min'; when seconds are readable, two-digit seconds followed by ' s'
2 h 29 min
